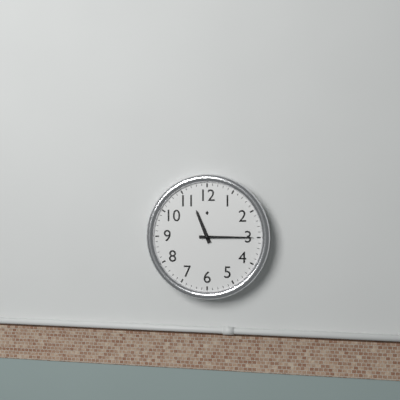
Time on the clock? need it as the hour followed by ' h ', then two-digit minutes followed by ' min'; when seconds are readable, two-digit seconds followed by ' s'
11 h 15 min
